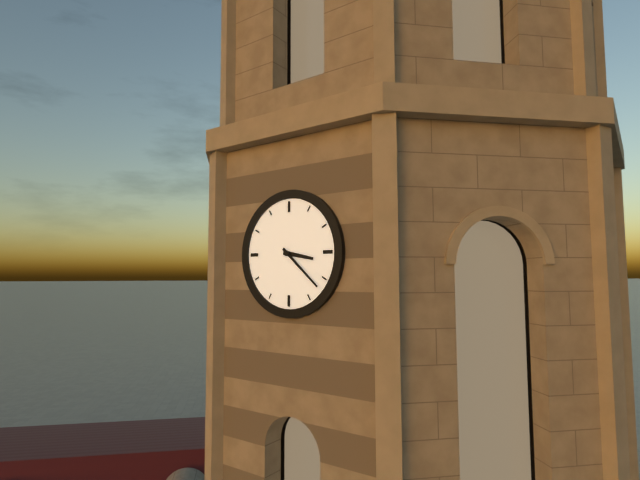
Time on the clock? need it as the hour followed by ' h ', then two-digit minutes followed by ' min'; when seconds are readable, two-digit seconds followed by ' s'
3 h 22 min
